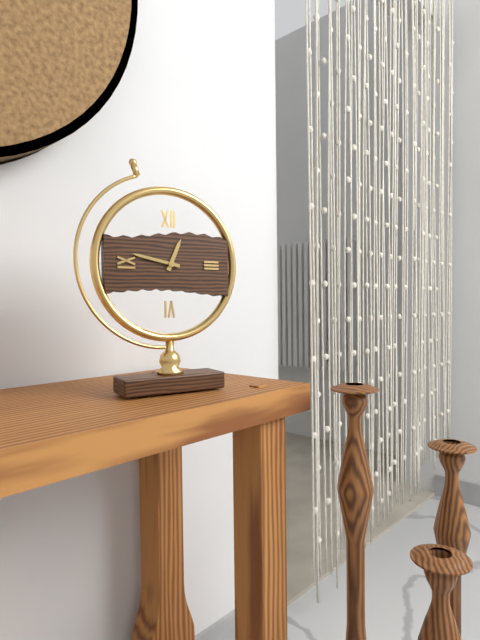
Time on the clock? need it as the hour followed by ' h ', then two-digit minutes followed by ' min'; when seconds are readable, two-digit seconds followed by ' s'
12 h 47 min
